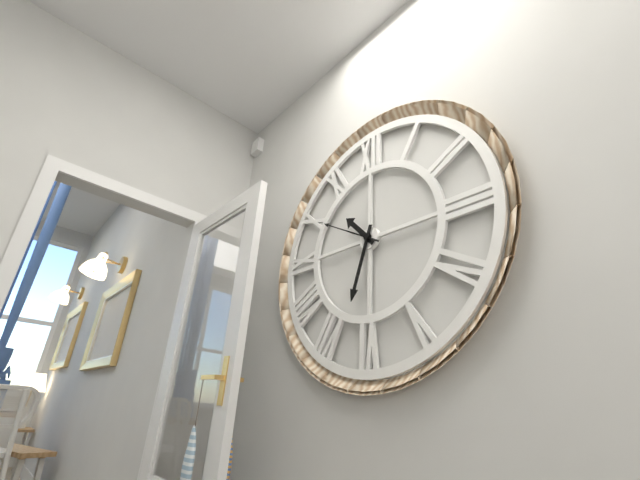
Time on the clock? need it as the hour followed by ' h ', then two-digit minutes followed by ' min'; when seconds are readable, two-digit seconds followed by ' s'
10 h 33 min 50 s
